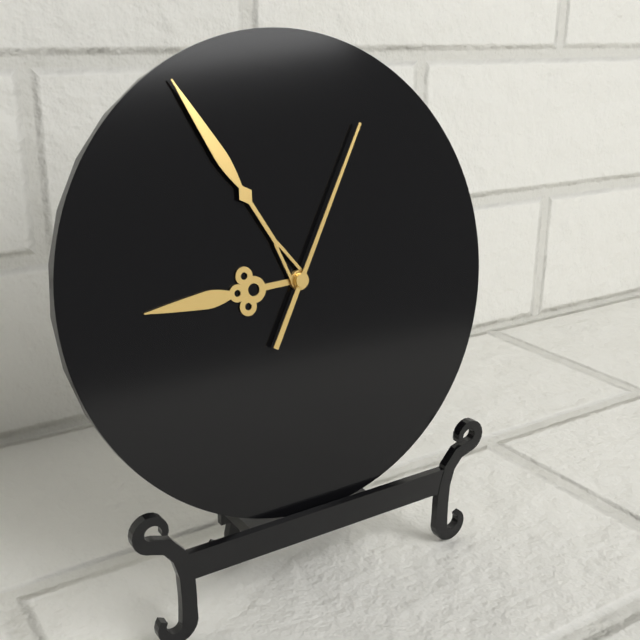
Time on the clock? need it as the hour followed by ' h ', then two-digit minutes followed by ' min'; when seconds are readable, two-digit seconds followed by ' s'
8 h 55 min 05 s
